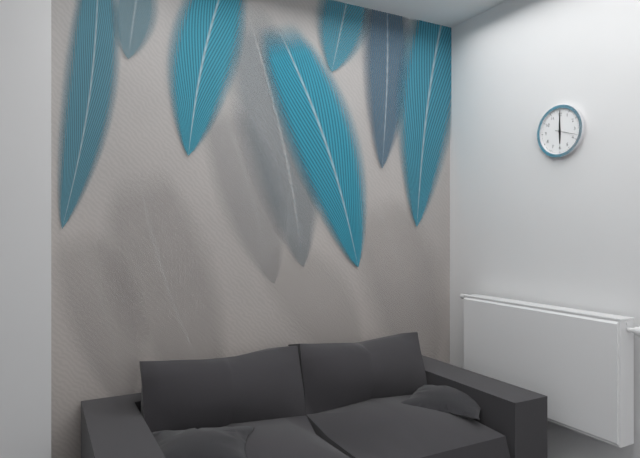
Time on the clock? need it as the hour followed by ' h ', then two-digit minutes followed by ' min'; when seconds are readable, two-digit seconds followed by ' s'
6 h 00 min
